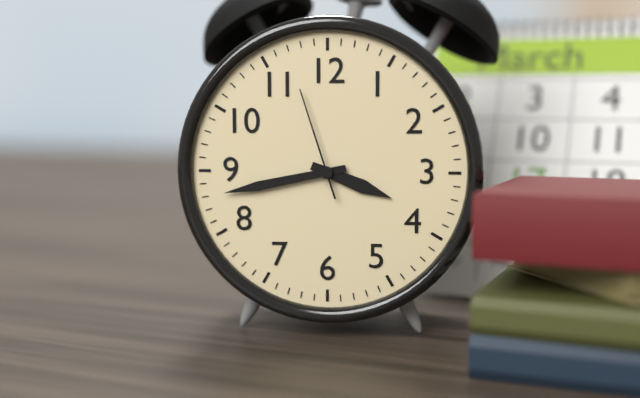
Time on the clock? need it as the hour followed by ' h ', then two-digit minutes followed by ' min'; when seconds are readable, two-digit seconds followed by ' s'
3 h 43 min 57 s
